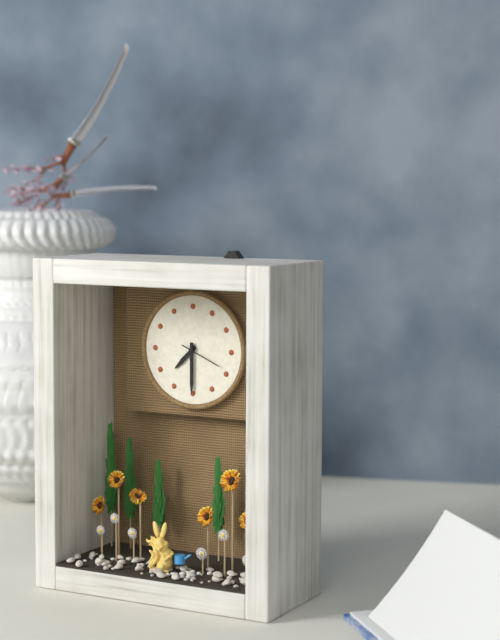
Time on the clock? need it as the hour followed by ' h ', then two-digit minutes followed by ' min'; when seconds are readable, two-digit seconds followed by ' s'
7 h 30 min
